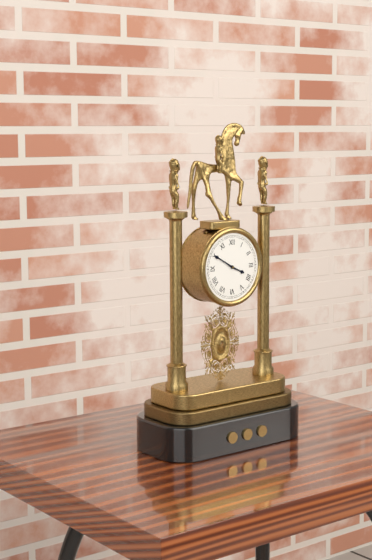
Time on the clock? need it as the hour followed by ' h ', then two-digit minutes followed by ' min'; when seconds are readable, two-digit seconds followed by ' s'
3 h 50 min
